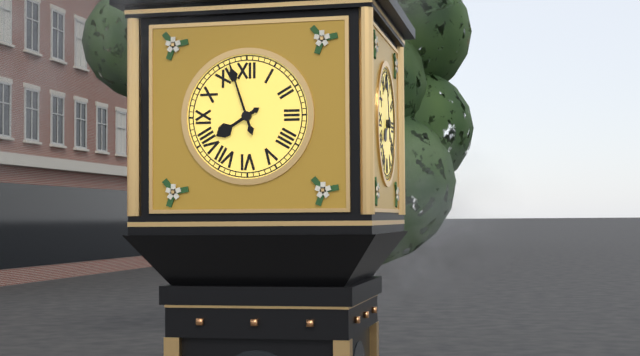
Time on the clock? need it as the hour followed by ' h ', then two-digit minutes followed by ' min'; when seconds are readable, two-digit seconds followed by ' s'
7 h 57 min
